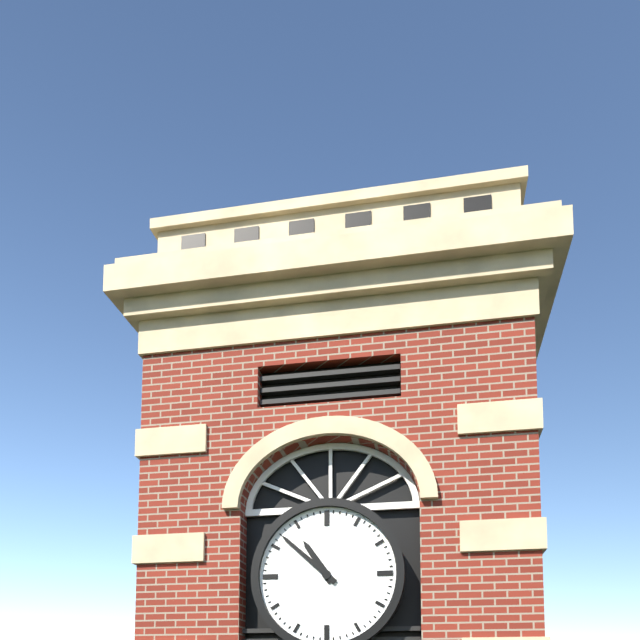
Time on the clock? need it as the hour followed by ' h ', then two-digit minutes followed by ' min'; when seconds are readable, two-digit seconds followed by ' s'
10 h 52 min
